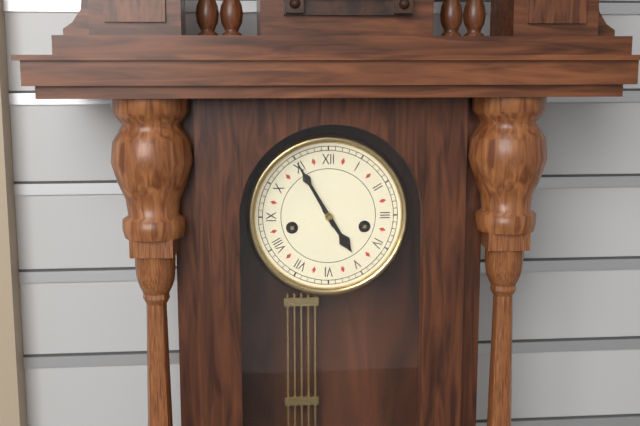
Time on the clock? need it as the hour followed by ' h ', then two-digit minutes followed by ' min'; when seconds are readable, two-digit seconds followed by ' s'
4 h 55 min
